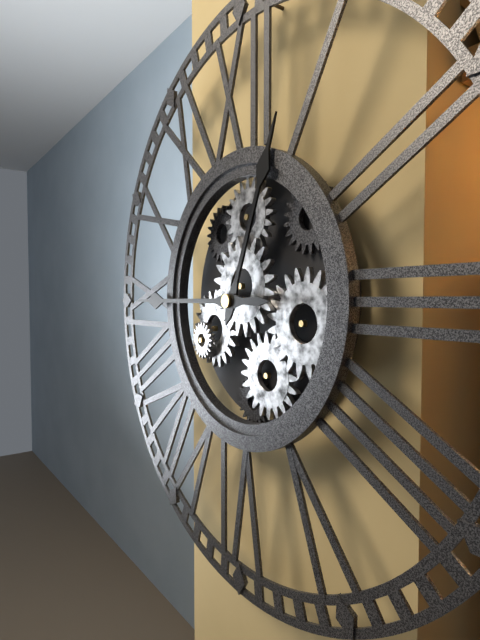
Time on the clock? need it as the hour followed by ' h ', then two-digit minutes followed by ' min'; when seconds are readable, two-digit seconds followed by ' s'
12 h 45 min
